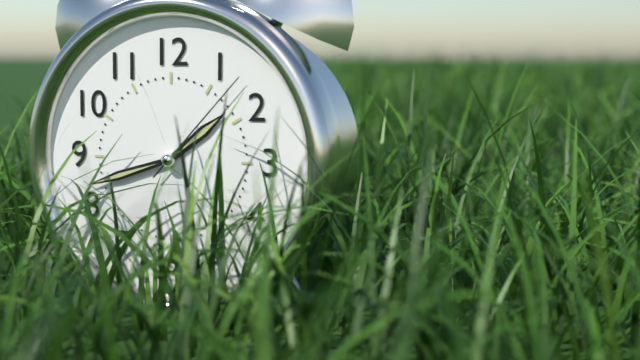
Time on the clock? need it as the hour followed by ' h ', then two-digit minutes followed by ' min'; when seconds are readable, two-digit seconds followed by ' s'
1 h 42 min 07 s
